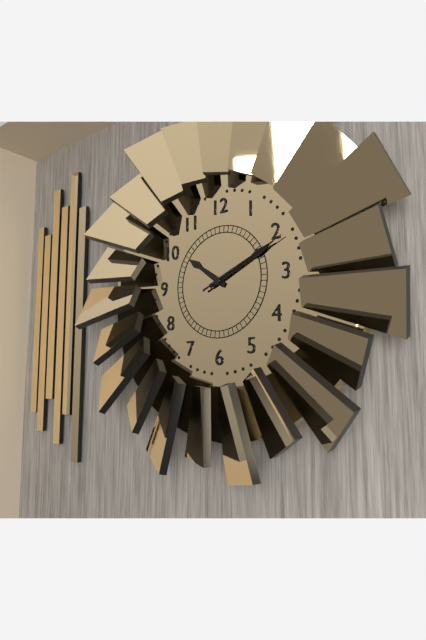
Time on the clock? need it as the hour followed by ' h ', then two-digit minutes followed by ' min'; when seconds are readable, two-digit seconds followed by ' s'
10 h 11 min 11 s
